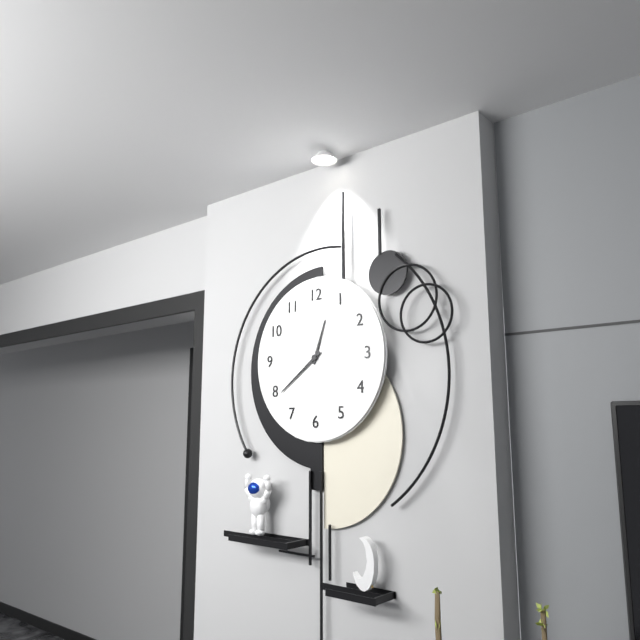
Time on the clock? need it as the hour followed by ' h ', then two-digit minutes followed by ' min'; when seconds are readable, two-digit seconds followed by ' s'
12 h 39 min
